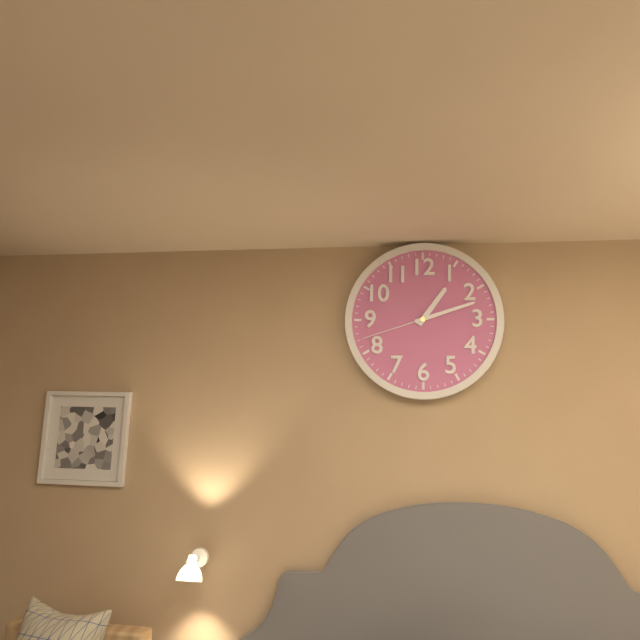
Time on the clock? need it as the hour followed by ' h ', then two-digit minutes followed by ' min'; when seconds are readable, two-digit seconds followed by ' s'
1 h 12 min 42 s
